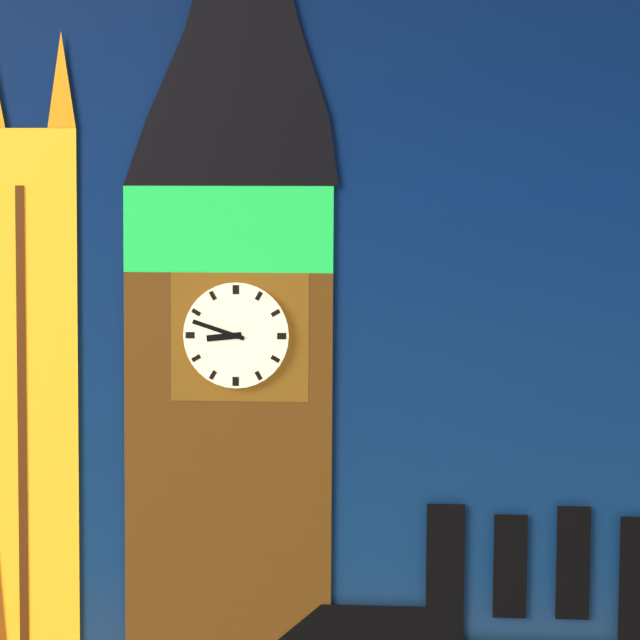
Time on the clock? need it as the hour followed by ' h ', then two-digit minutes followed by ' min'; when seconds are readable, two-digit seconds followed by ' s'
8 h 48 min
